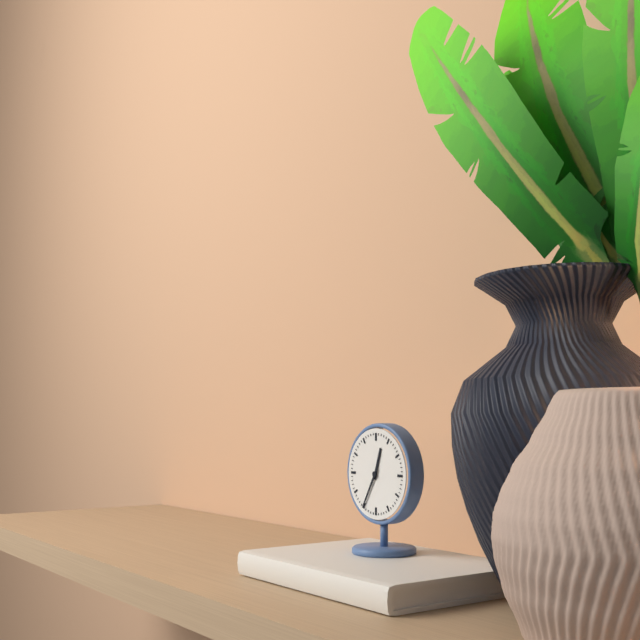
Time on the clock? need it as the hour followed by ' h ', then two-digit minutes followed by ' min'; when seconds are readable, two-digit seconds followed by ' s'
12 h 35 min
